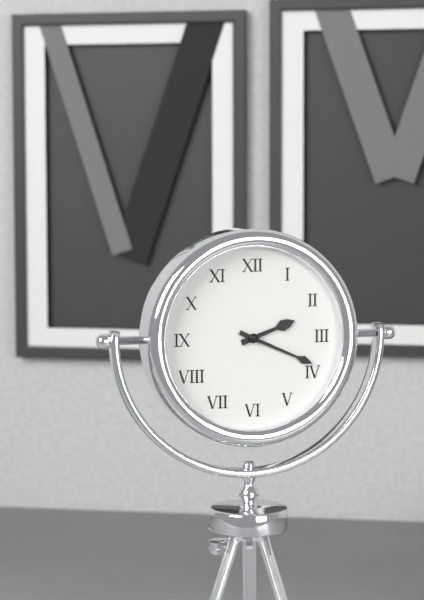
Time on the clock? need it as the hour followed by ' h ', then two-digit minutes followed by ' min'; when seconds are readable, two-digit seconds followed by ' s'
2 h 19 min
